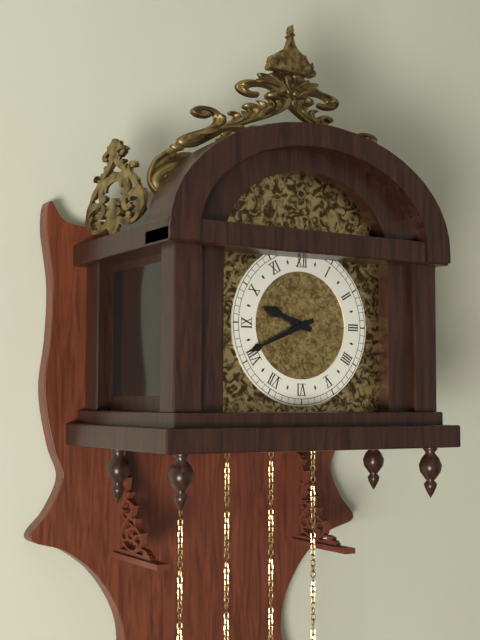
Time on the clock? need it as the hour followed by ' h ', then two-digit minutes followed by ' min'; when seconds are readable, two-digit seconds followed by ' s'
9 h 41 min
